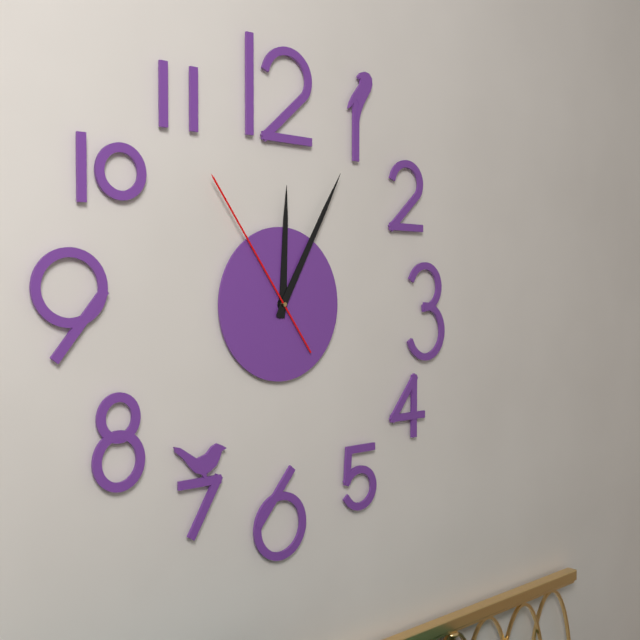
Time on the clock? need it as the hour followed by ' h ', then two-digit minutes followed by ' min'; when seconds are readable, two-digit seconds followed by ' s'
12 h 05 min 54 s
